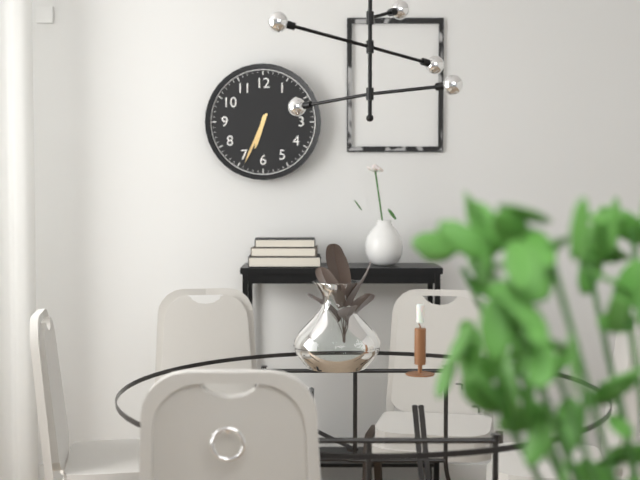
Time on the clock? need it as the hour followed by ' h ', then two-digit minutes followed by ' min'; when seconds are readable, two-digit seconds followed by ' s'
6 h 34 min
